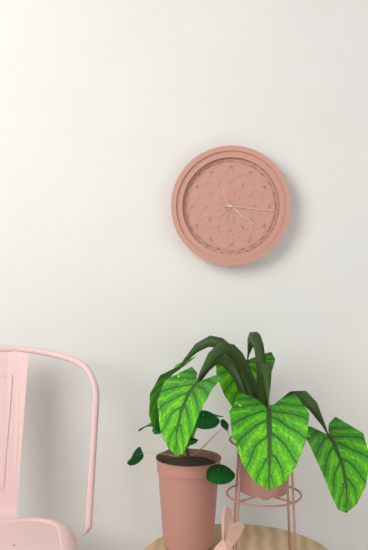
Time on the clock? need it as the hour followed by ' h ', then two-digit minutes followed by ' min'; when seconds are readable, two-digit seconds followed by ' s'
4 h 16 min
